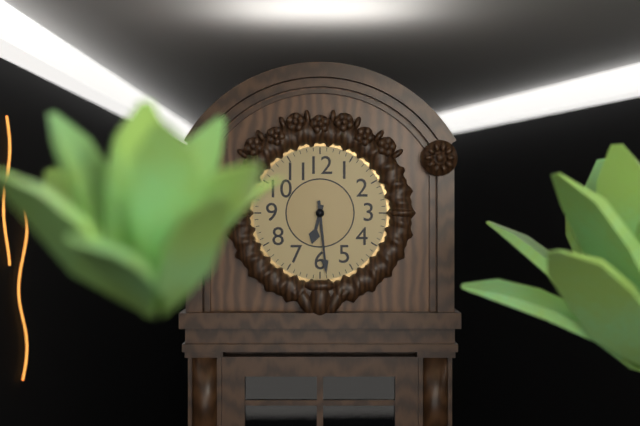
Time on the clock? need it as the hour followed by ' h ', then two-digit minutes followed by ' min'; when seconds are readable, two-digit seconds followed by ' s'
6 h 29 min
